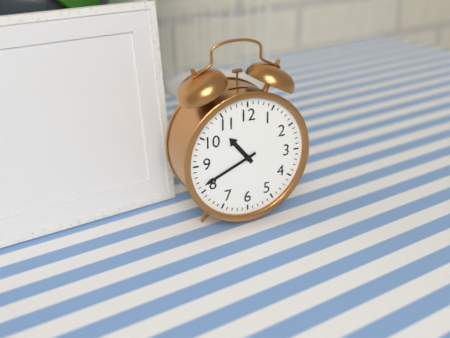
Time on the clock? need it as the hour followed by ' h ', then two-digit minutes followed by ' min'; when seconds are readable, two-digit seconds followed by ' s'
10 h 41 min
